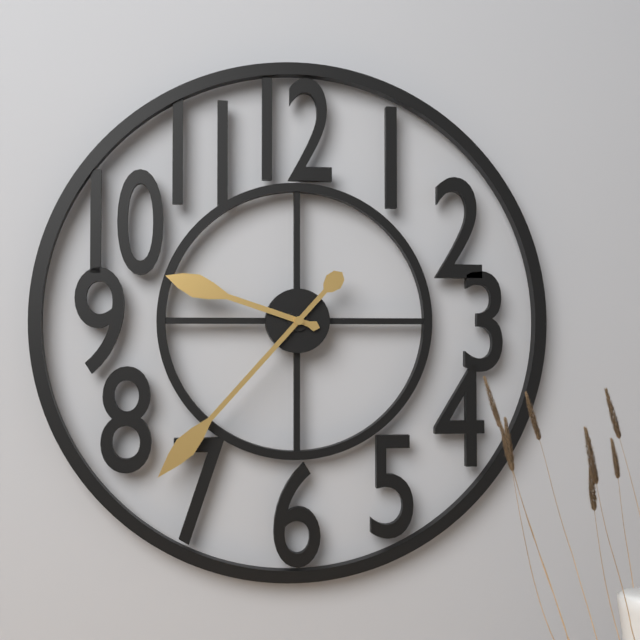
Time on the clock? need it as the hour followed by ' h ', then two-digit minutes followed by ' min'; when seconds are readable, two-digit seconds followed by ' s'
9 h 37 min
